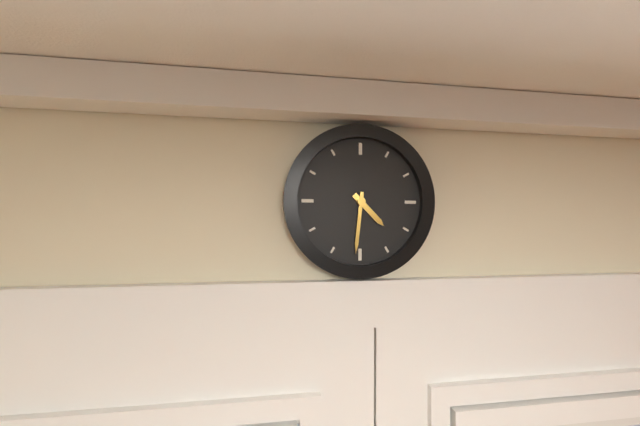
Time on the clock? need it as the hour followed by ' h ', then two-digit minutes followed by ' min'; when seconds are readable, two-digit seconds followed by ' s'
4 h 31 min
